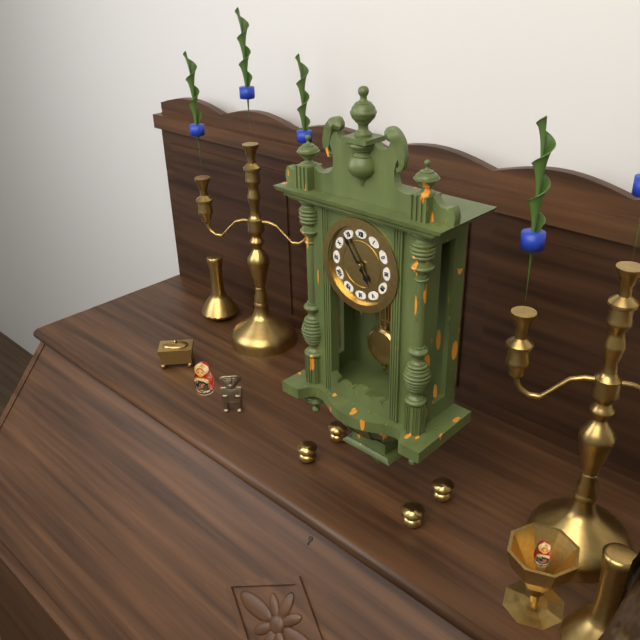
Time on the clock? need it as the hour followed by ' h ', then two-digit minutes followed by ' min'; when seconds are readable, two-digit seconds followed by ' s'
4 h 54 min
